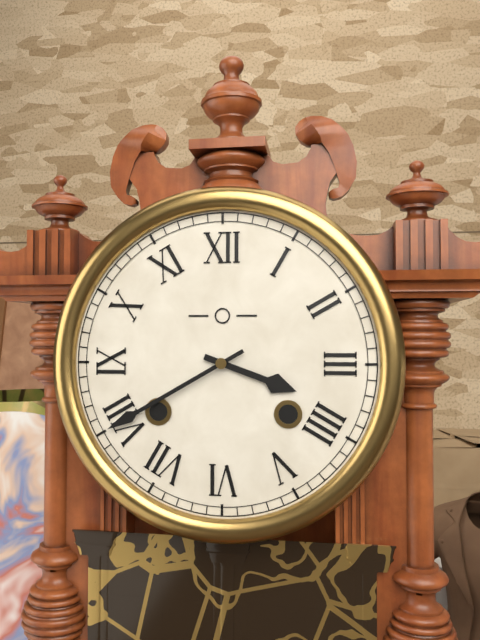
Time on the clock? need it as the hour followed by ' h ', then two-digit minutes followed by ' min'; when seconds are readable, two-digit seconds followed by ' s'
3 h 40 min
